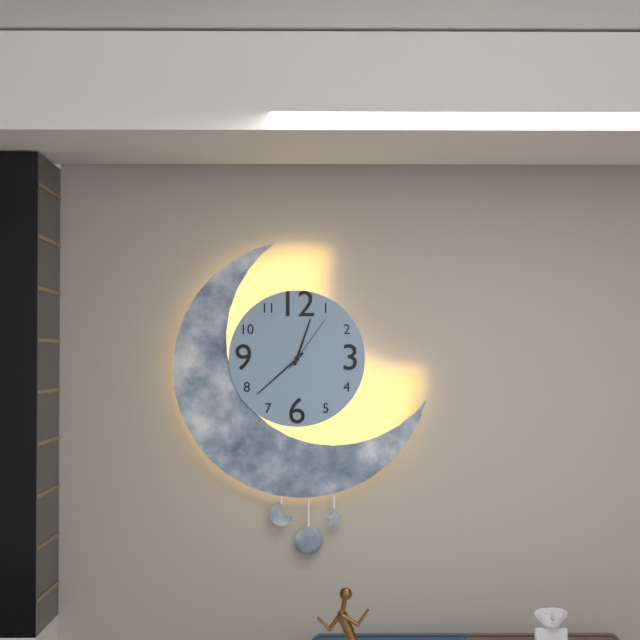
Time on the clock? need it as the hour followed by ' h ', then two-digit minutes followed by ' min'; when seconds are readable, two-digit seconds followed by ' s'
12 h 38 min 06 s
